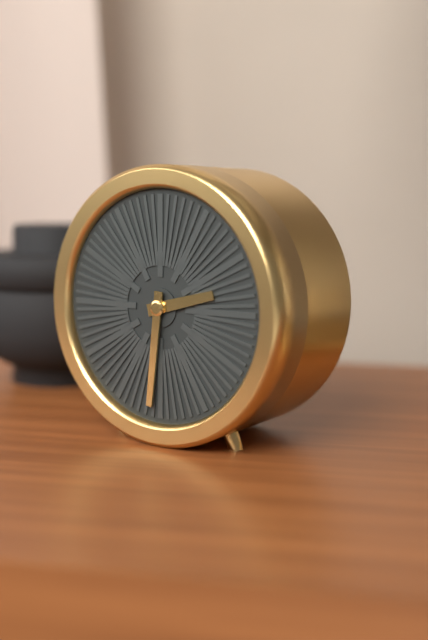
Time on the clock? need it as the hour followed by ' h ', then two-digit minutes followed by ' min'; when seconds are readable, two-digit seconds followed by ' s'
2 h 31 min
